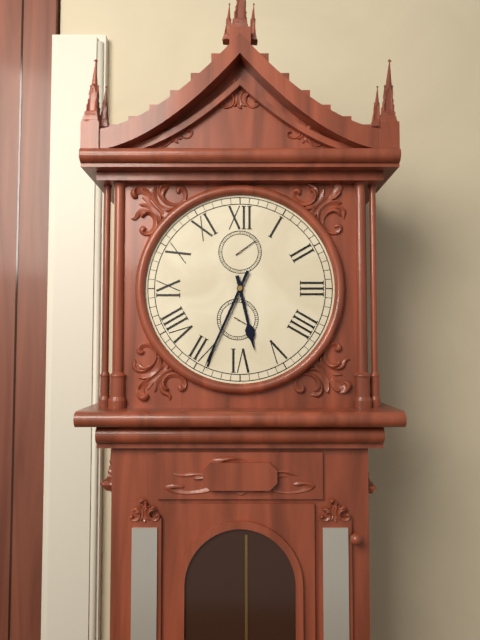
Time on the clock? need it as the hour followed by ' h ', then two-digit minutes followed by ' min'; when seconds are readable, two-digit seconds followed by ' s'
5 h 34 min
